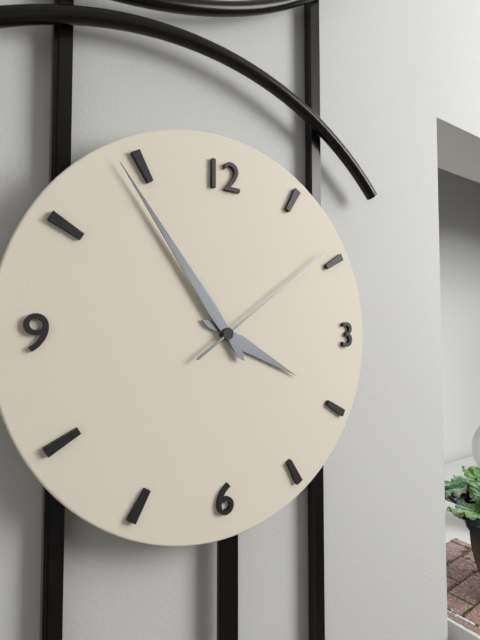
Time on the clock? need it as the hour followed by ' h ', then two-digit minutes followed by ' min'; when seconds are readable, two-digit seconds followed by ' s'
3 h 54 min 09 s
